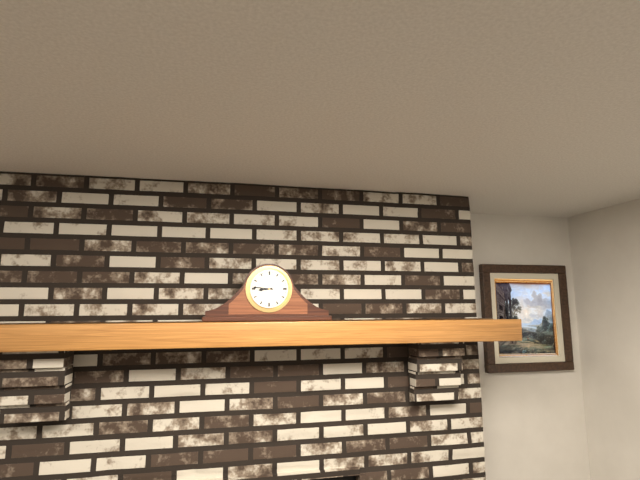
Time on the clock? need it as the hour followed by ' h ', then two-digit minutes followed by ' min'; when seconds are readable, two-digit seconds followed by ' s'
8 h 46 min
